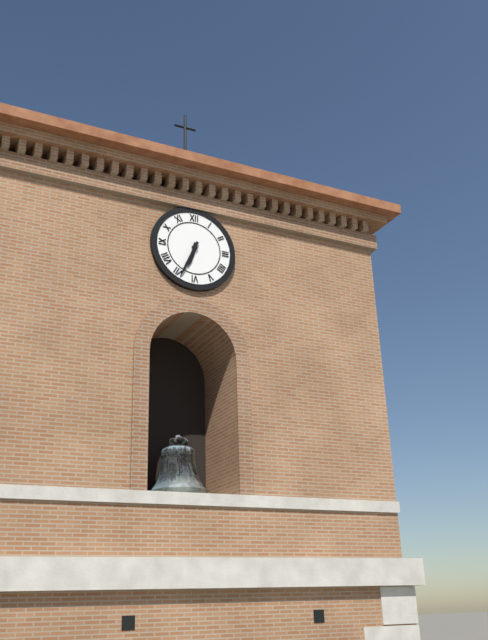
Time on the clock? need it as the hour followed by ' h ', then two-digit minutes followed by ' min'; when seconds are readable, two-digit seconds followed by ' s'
6 h 34 min
